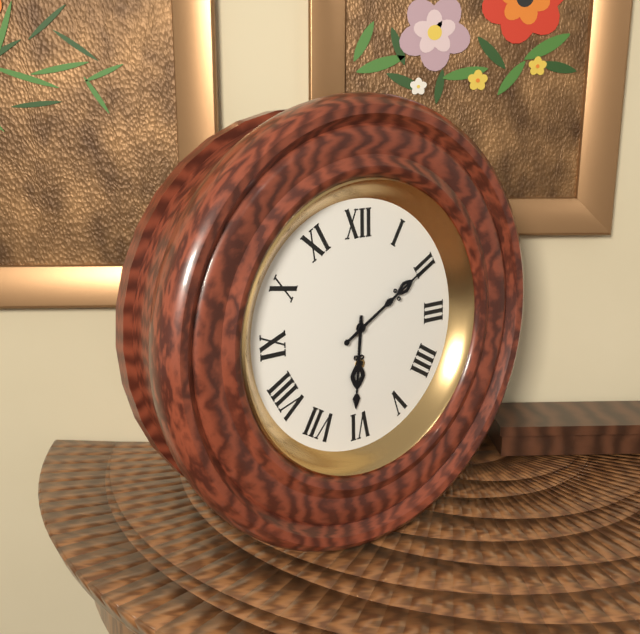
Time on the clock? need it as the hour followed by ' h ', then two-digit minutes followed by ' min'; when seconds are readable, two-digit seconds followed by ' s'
6 h 10 min
